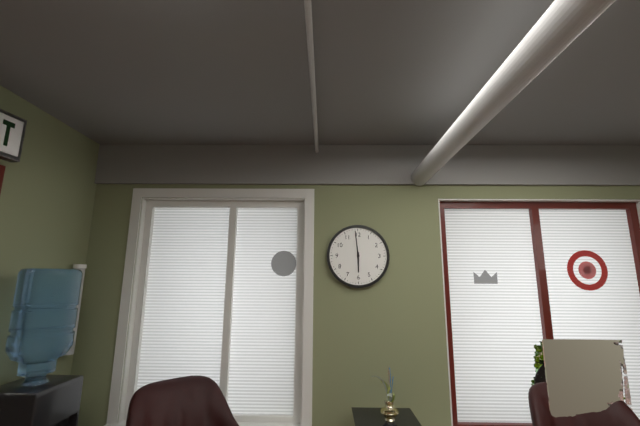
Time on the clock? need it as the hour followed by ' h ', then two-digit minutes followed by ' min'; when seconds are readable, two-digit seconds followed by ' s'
5 h 59 min
